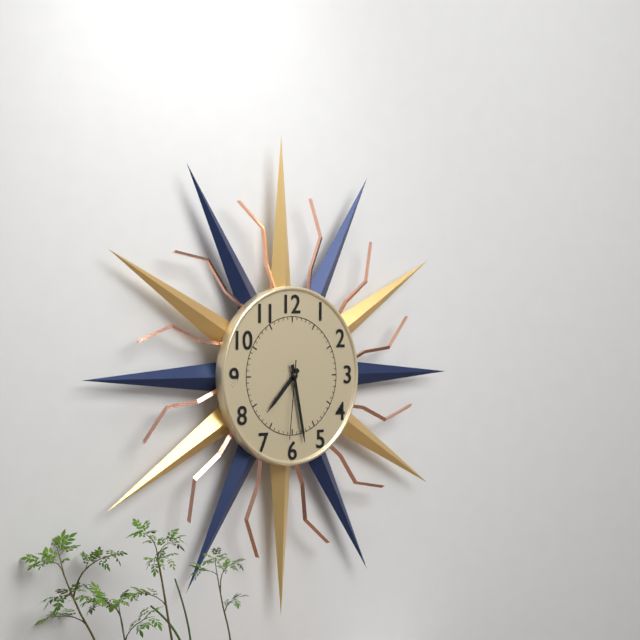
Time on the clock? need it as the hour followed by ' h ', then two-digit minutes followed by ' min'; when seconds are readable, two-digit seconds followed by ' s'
7 h 28 min 31 s
